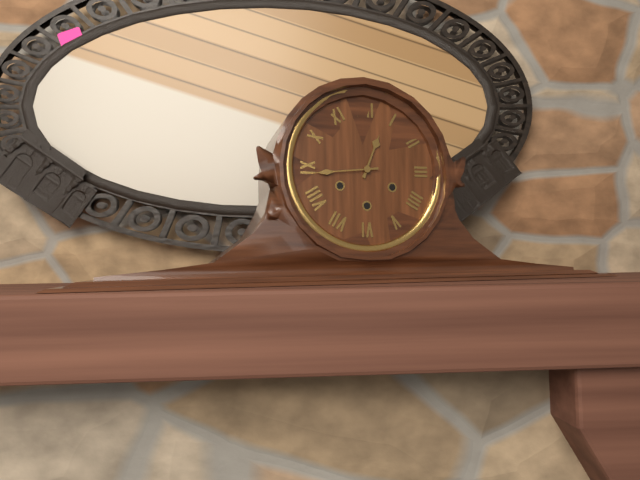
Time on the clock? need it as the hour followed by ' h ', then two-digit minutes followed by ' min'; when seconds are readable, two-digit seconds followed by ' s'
12 h 44 min
